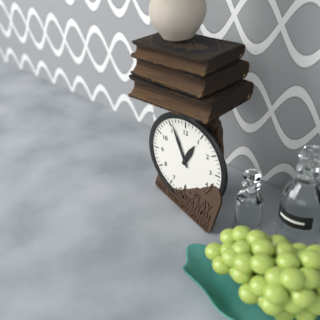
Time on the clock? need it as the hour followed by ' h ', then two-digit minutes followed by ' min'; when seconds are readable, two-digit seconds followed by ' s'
12 h 56 min
